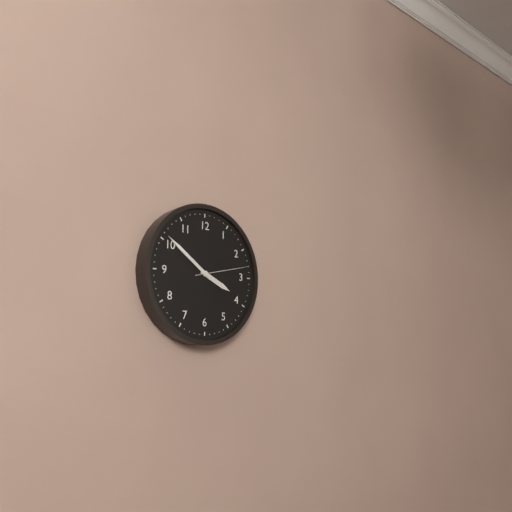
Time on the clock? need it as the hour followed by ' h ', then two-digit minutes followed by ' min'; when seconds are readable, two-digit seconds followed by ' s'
3 h 51 min 13 s
